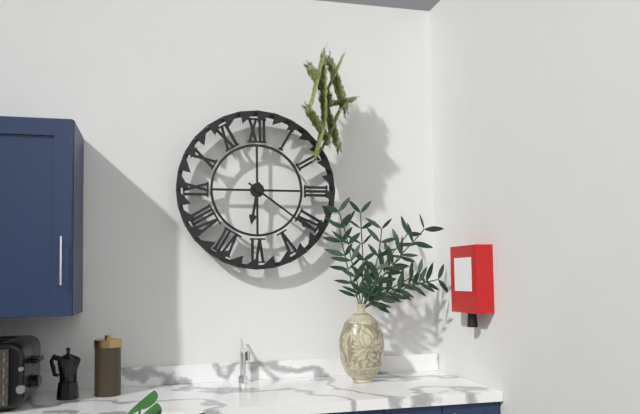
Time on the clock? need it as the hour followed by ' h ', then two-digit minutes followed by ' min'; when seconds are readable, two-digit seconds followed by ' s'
6 h 21 min
